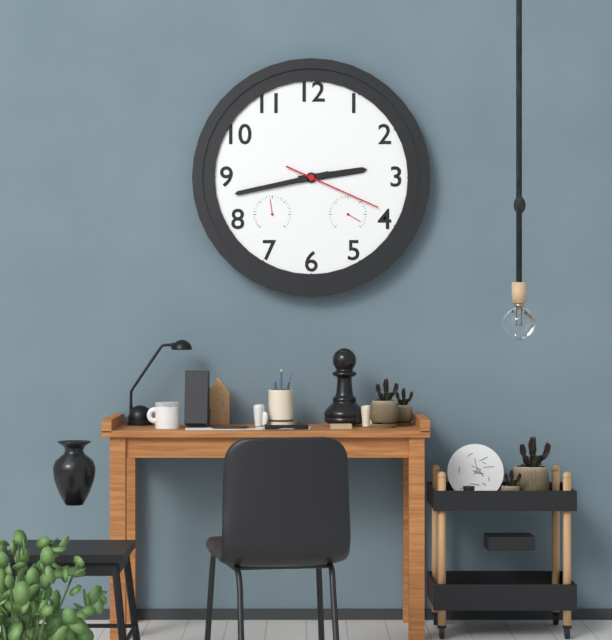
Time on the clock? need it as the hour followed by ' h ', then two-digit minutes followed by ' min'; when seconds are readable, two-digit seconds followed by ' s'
2 h 43 min 19 s
